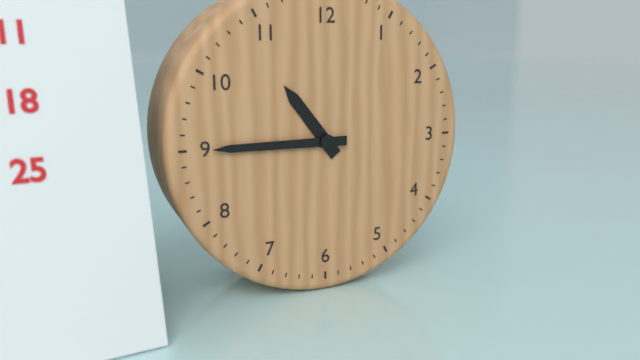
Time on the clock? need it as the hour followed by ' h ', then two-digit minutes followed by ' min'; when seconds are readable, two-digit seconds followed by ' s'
10 h 45 min
